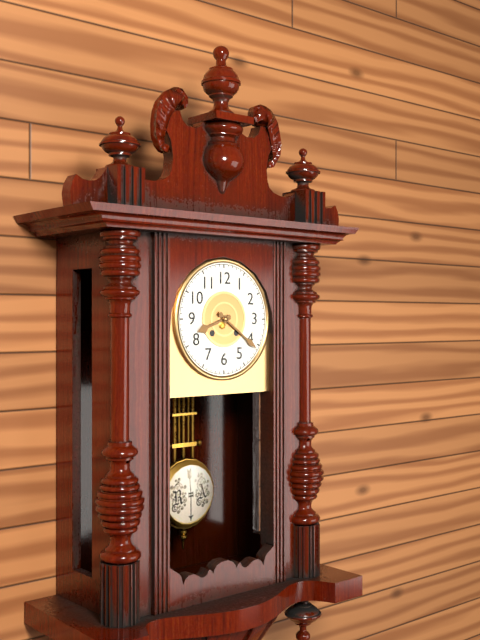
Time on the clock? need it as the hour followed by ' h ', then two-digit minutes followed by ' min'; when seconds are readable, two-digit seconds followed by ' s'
8 h 21 min
